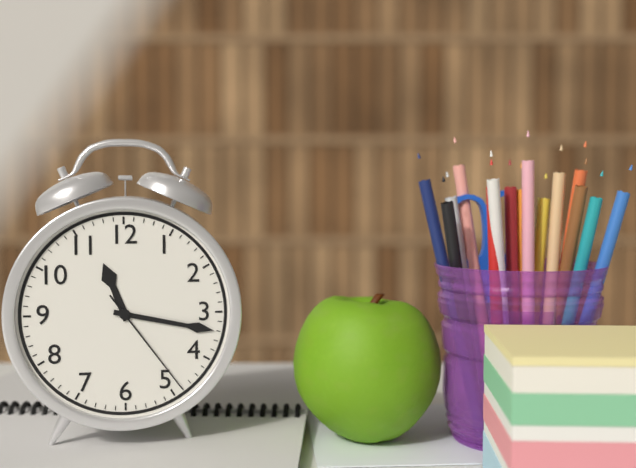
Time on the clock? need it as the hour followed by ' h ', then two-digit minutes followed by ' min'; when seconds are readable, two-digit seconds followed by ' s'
11 h 17 min 24 s
